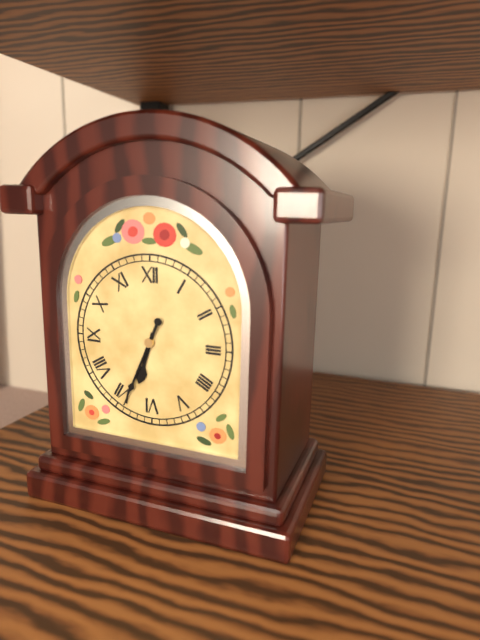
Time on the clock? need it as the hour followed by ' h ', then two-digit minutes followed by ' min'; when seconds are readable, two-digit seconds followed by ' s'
6 h 34 min
